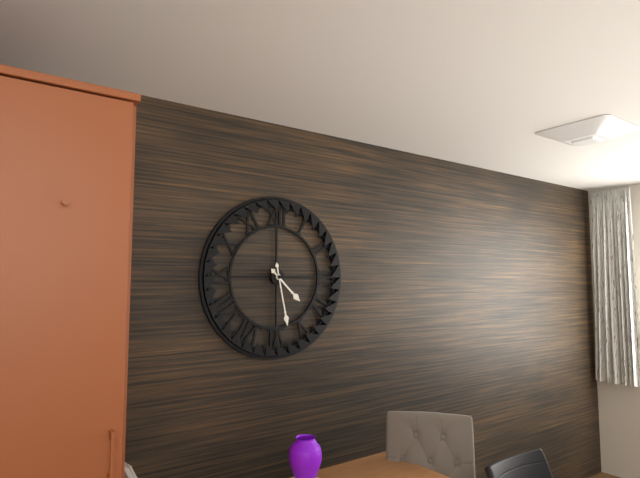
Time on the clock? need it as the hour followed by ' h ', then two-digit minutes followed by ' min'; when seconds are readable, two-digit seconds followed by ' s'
4 h 28 min
